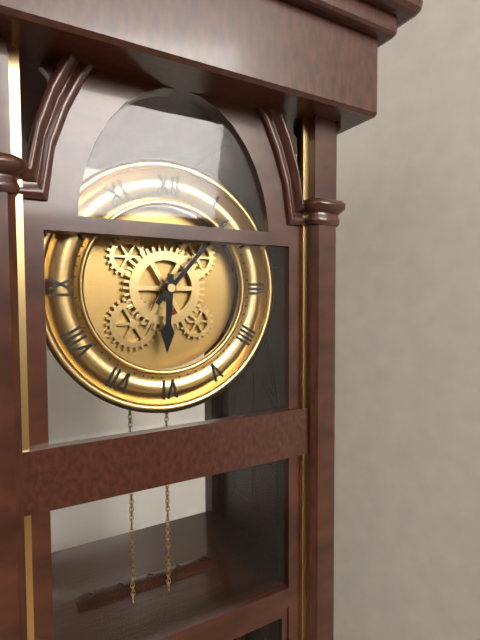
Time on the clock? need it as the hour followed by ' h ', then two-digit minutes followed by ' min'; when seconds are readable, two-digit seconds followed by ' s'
6 h 07 min
